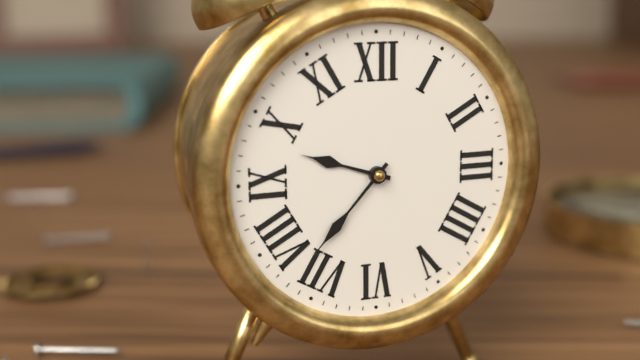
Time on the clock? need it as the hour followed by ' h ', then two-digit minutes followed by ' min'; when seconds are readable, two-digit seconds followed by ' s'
9 h 37 min
